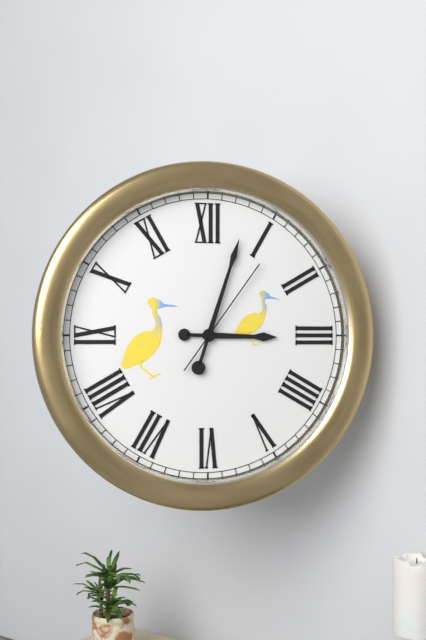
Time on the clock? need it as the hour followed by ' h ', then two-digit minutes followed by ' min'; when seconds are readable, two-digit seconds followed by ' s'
3 h 03 min 06 s
